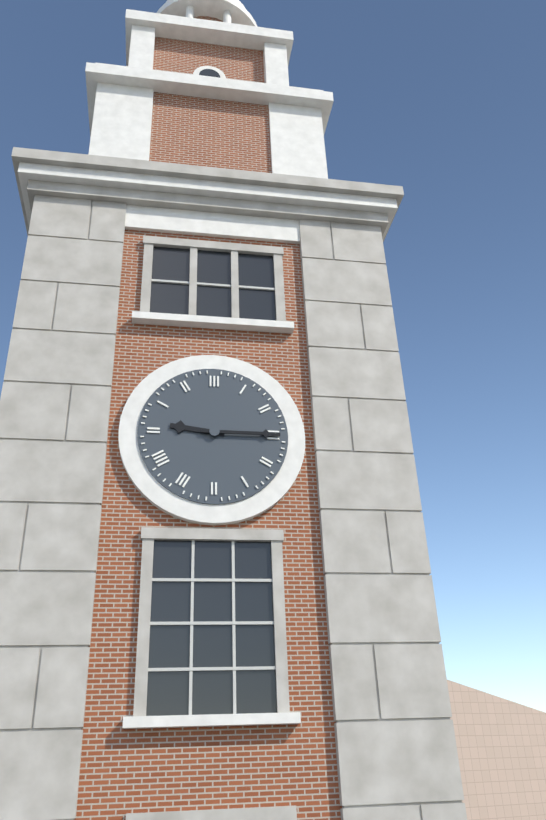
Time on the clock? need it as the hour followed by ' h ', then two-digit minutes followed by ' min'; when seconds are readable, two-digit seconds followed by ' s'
9 h 15 min
